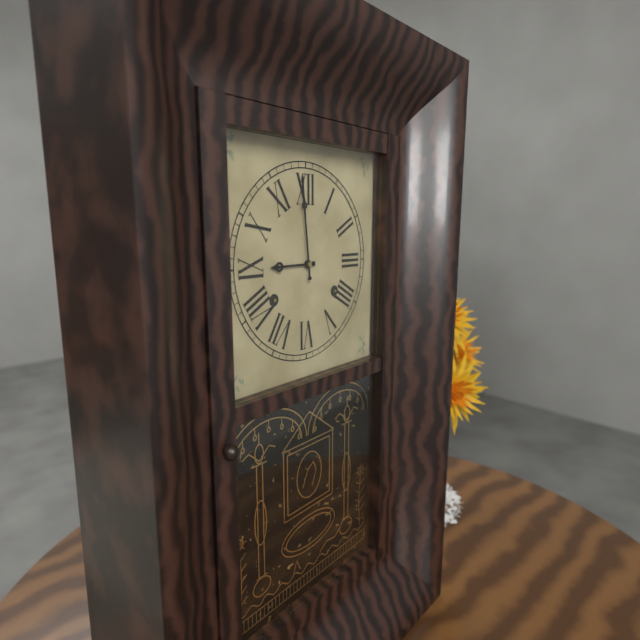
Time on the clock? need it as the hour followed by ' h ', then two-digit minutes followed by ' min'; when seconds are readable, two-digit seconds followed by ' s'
8 h 59 min
